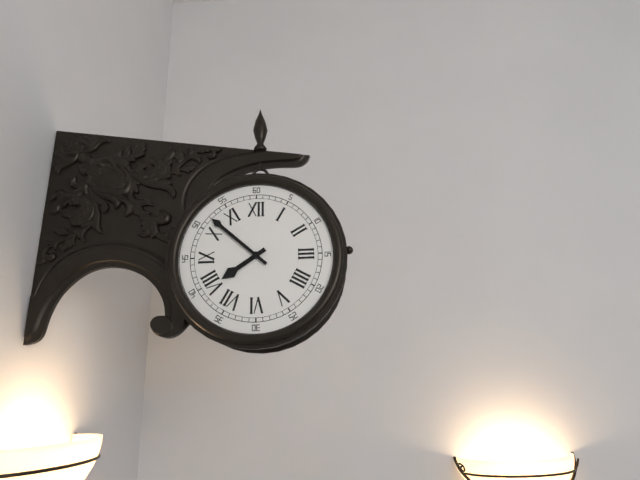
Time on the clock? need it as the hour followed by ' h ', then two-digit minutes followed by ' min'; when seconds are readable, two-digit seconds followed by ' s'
7 h 52 min
